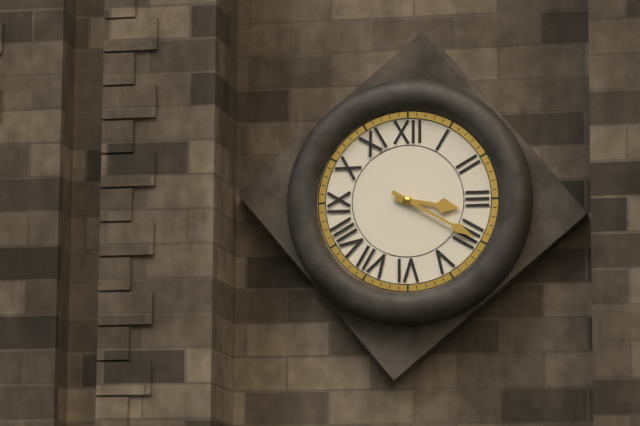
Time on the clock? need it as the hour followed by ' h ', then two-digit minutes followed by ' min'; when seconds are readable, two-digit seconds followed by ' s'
3 h 20 min
